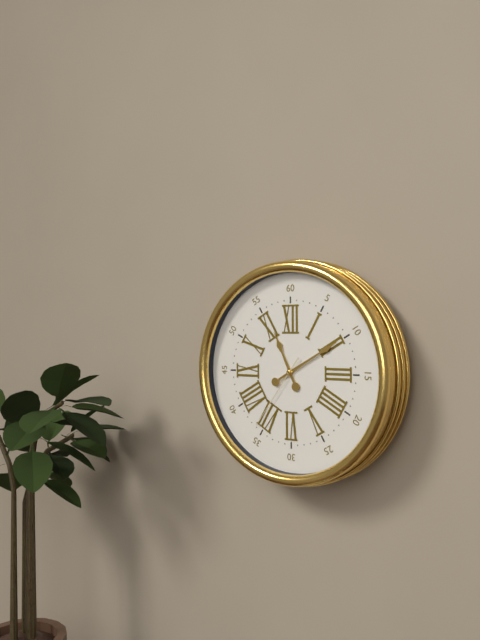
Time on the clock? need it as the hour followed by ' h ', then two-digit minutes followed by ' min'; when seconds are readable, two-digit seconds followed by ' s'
11 h 10 min 36 s
